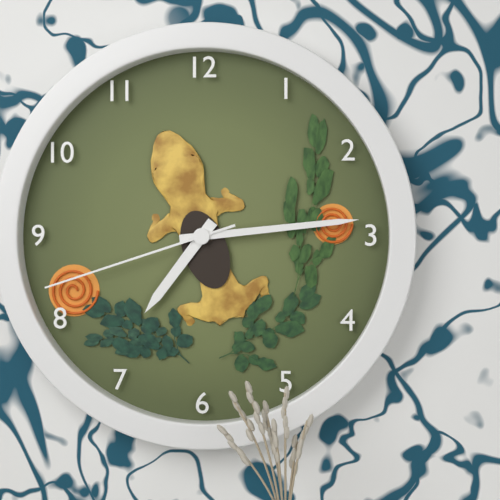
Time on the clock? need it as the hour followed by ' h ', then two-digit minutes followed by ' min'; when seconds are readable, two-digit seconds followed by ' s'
7 h 14 min 42 s
